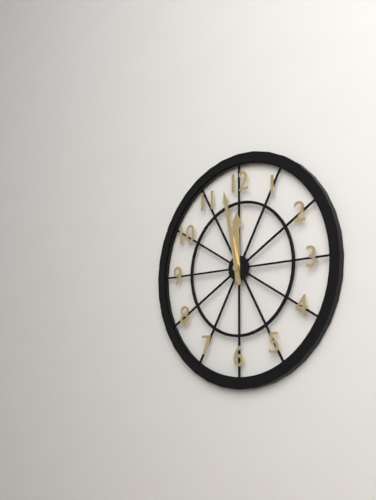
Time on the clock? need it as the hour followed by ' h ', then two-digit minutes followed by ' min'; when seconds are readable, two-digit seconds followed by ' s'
11 h 58 min
